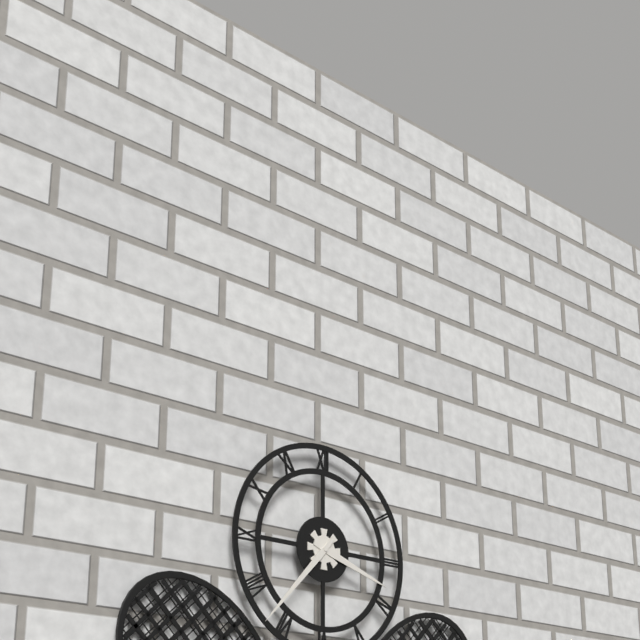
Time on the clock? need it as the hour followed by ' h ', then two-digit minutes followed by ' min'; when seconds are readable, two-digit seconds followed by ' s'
3 h 37 min
